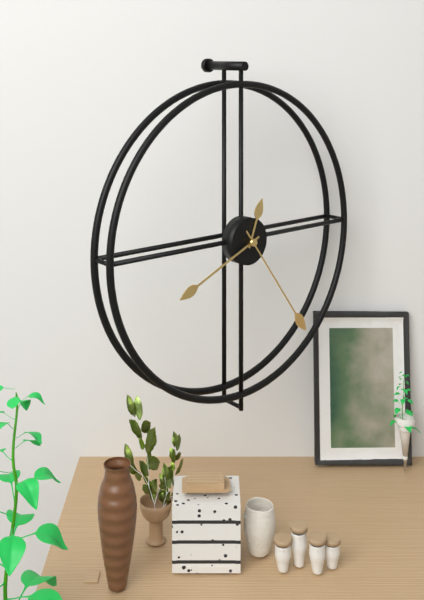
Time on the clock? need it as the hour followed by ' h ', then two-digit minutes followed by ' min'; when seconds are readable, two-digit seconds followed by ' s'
12 h 41 min 24 s
